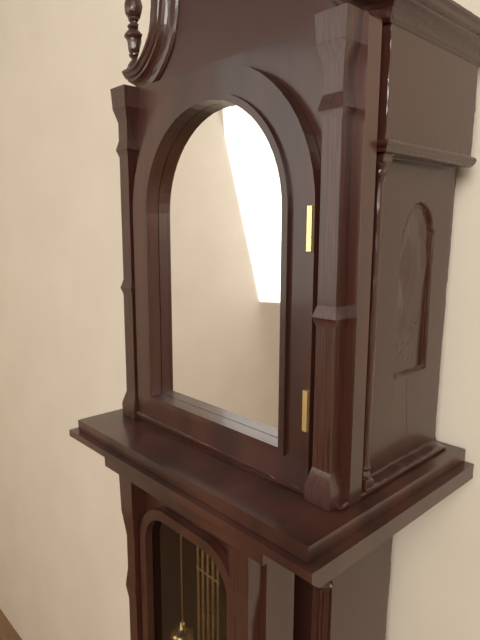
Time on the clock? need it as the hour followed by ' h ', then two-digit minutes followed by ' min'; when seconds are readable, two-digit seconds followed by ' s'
6 h 50 min
